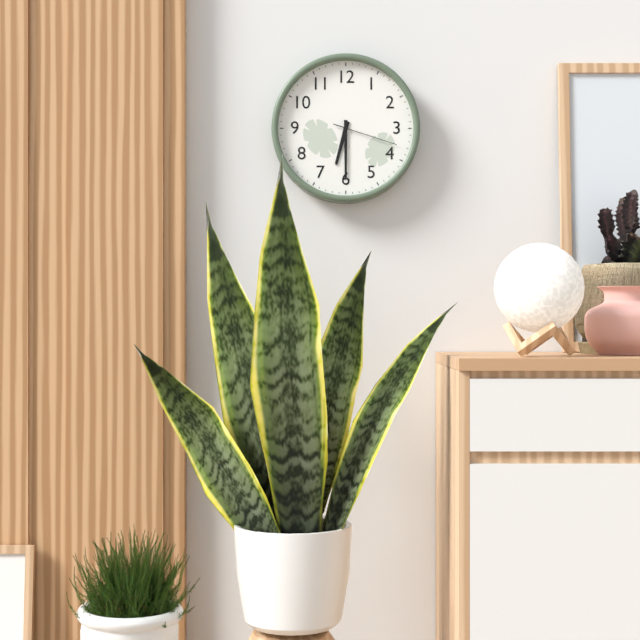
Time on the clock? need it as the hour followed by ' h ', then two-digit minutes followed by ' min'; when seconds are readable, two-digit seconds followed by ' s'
6 h 30 min 18 s
